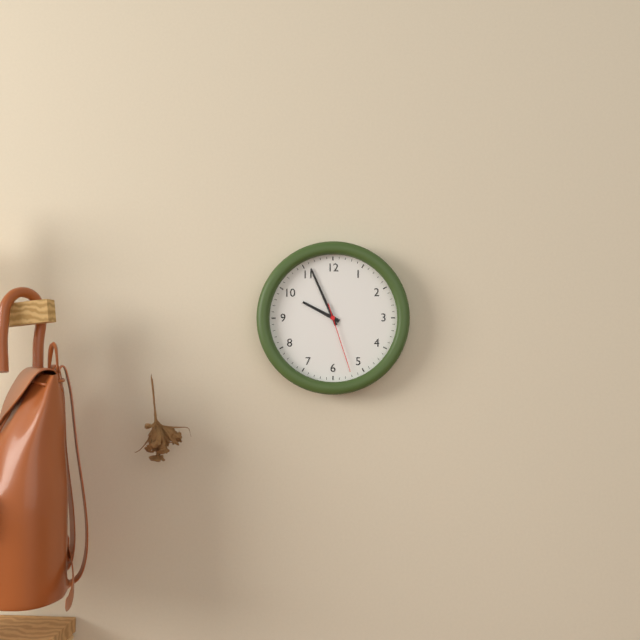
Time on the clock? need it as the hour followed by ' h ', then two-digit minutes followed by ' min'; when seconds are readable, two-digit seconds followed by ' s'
9 h 56 min 27 s
